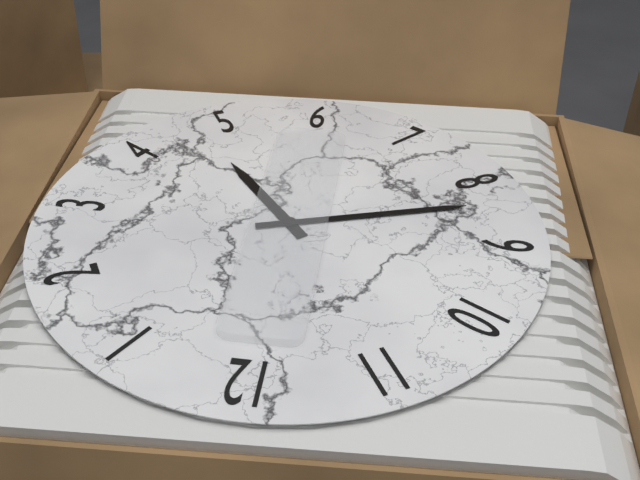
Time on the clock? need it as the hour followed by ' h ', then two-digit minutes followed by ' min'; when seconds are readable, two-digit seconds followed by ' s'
4 h 42 min
